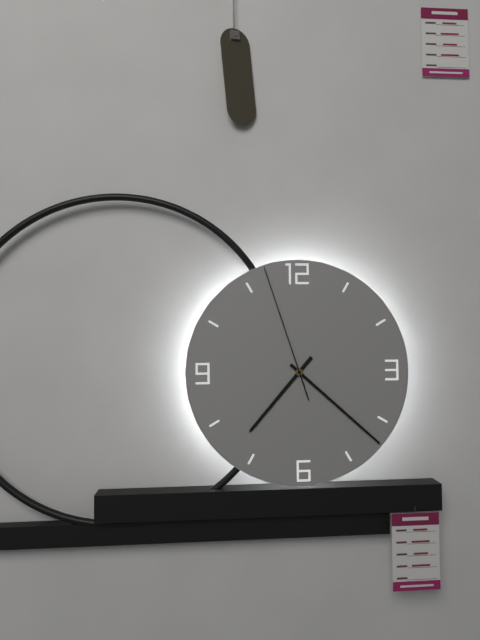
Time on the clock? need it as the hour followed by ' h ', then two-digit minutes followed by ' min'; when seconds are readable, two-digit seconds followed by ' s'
7 h 22 min 57 s
